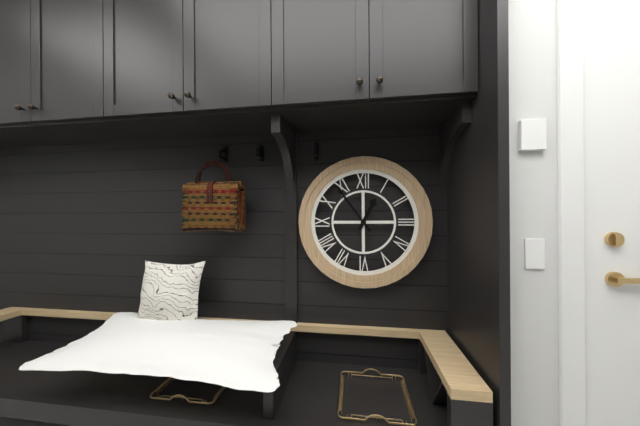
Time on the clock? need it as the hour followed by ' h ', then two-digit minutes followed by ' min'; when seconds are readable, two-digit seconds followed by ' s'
12 h 54 min
